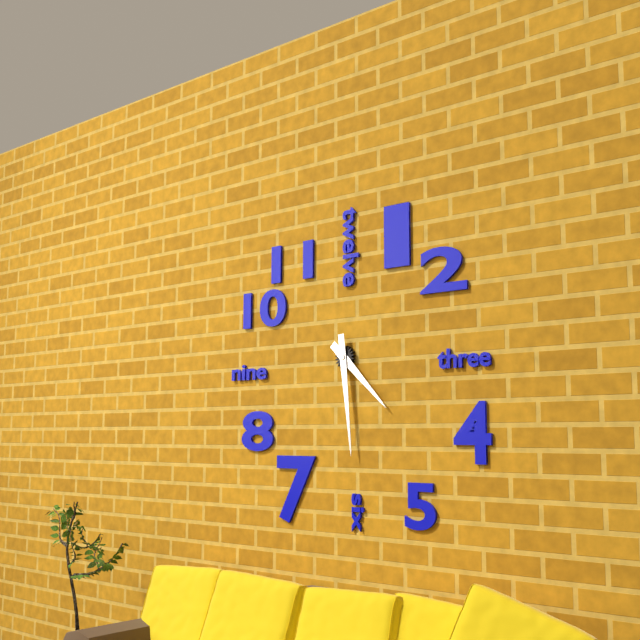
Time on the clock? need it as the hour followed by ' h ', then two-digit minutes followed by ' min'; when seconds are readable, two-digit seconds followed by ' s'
4 h 29 min
